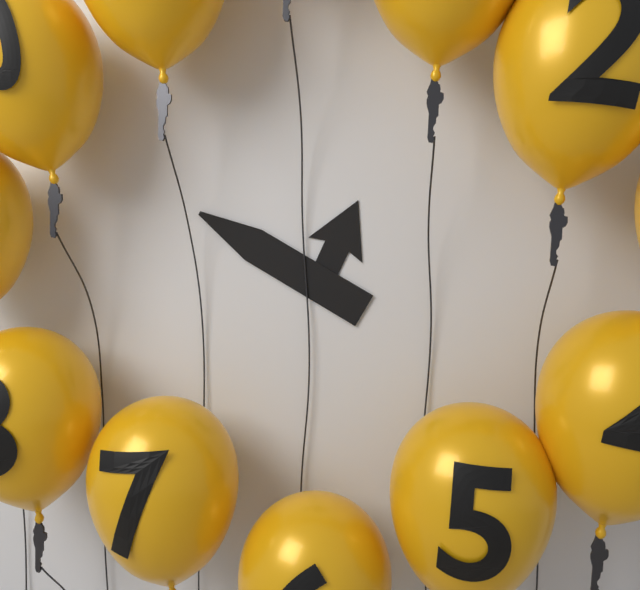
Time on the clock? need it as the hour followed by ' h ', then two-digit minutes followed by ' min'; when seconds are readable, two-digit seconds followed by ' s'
12 h 50 min
